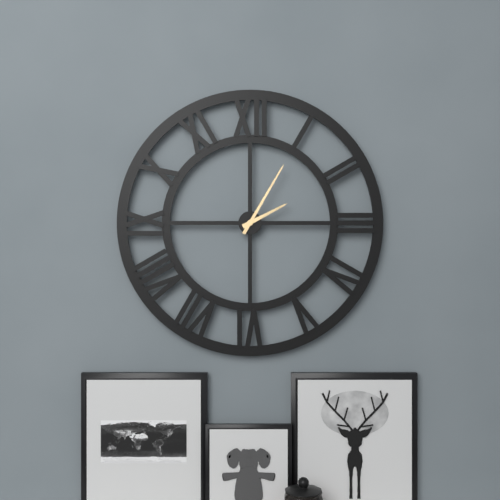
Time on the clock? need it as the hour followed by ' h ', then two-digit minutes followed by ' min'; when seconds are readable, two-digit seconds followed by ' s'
2 h 05 min
